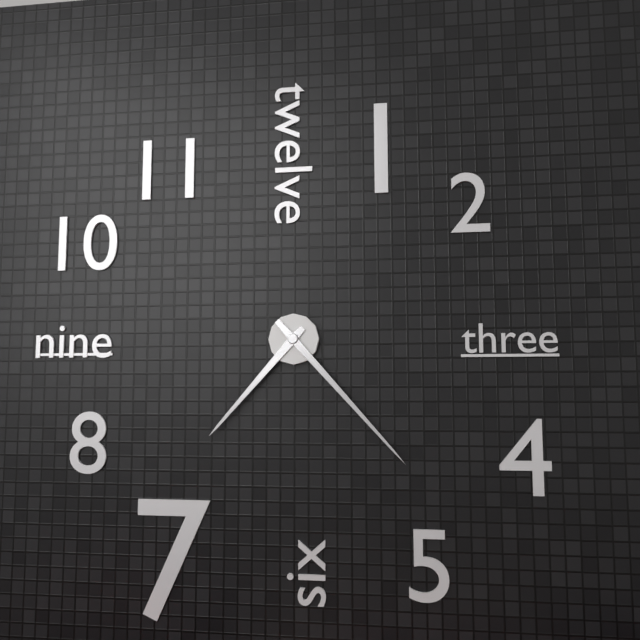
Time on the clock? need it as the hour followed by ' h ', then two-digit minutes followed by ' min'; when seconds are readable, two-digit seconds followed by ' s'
7 h 23 min
